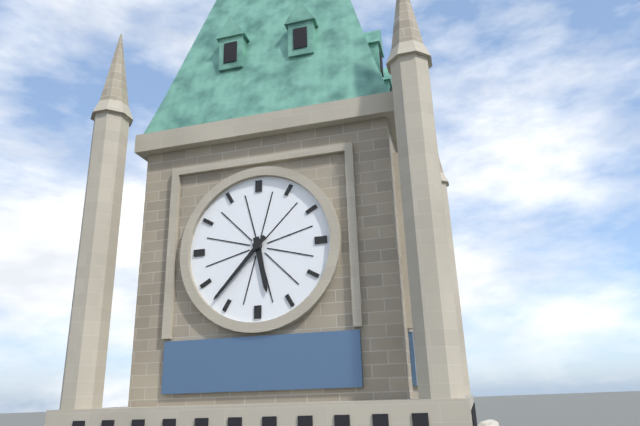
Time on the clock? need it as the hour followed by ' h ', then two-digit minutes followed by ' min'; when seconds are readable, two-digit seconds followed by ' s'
5 h 37 min
